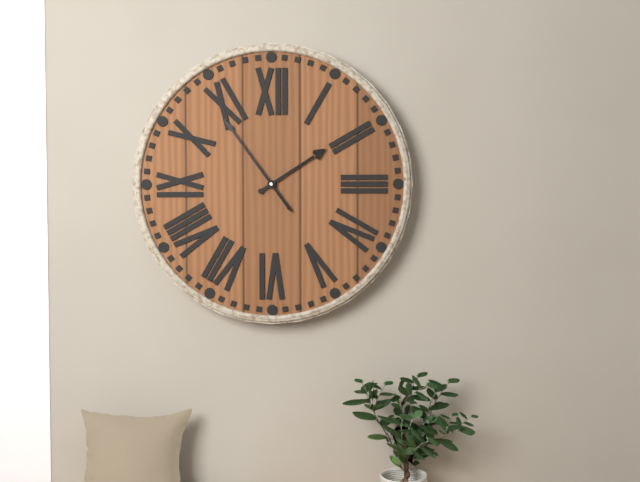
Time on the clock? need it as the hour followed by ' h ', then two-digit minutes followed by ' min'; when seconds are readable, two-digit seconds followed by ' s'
1 h 54 min
